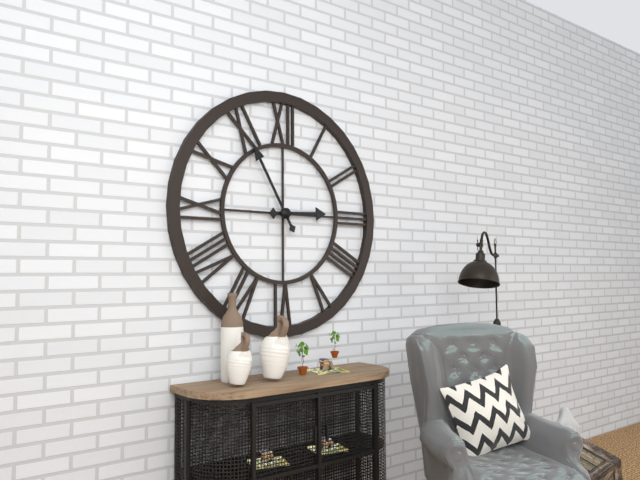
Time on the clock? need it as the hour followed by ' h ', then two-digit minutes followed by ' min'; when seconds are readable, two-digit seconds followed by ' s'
2 h 55 min
